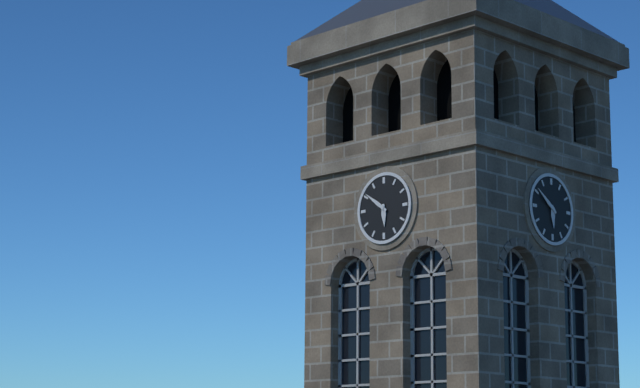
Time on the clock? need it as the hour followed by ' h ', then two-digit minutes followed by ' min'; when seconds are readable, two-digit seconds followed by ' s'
5 h 51 min
